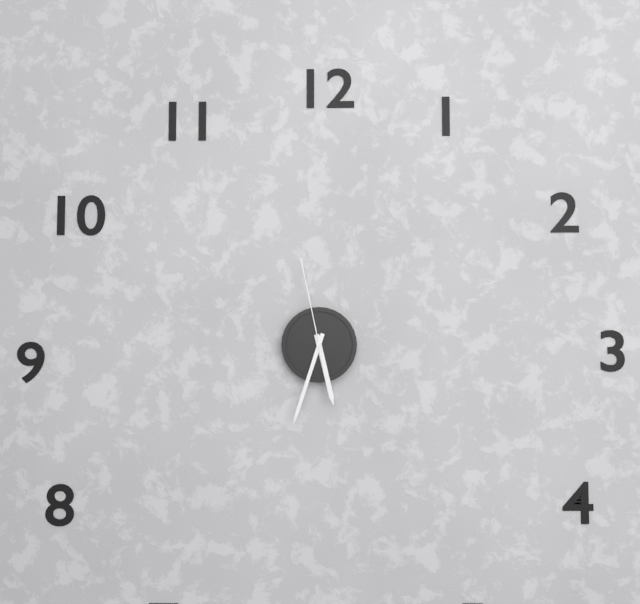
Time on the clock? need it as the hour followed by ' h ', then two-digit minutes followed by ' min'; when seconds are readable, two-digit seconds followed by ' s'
5 h 33 min 58 s
